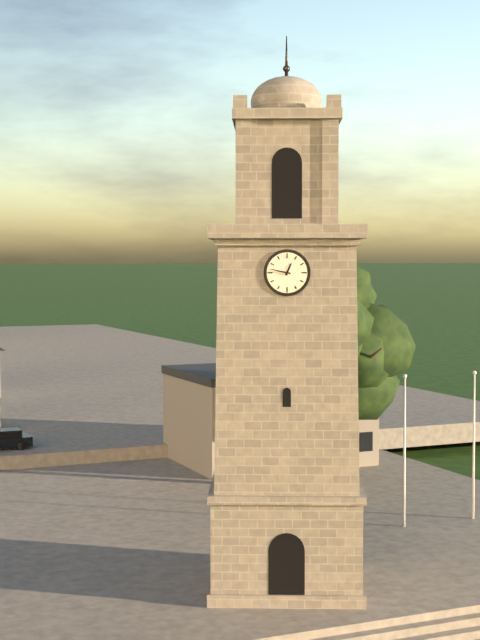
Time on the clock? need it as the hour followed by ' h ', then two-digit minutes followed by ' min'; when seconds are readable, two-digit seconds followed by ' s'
12 h 47 min
